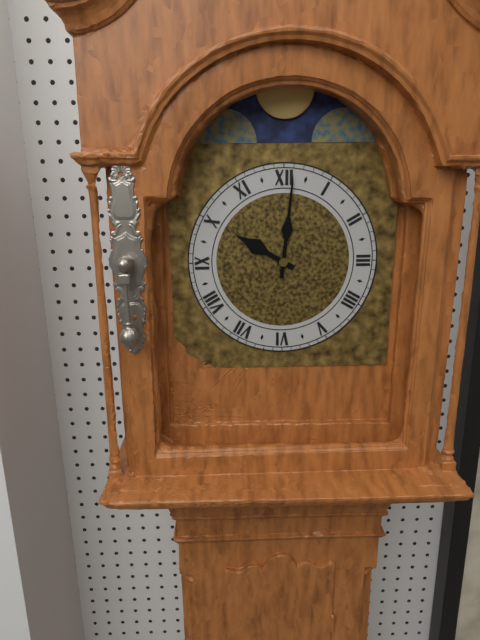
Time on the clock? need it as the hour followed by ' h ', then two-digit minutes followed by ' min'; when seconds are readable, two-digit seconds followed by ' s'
10 h 01 min
